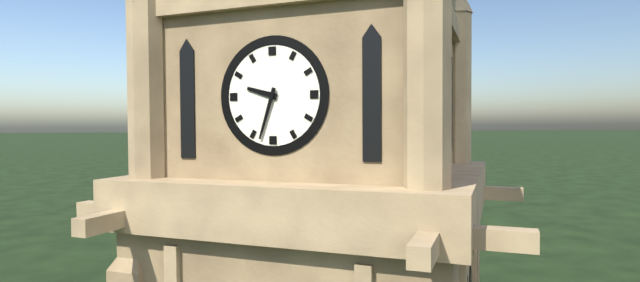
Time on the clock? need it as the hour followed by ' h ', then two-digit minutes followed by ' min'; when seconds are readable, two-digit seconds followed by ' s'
9 h 33 min
